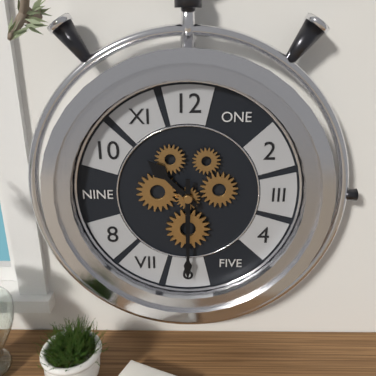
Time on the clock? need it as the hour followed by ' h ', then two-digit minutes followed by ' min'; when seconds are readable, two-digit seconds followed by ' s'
10 h 30 min
